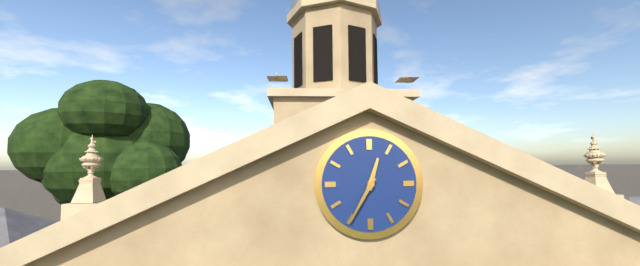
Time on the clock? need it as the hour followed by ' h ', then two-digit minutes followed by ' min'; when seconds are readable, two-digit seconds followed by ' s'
12 h 35 min
